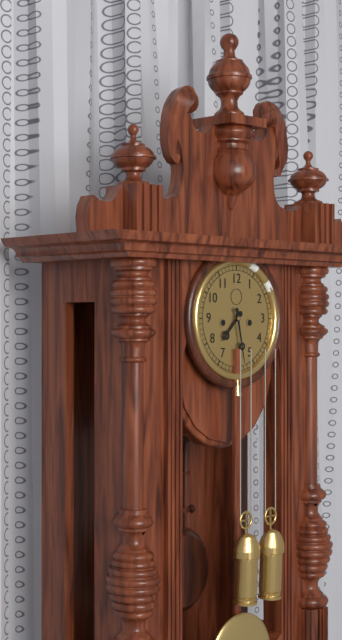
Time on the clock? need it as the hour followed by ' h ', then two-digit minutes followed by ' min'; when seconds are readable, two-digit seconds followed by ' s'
7 h 28 min
